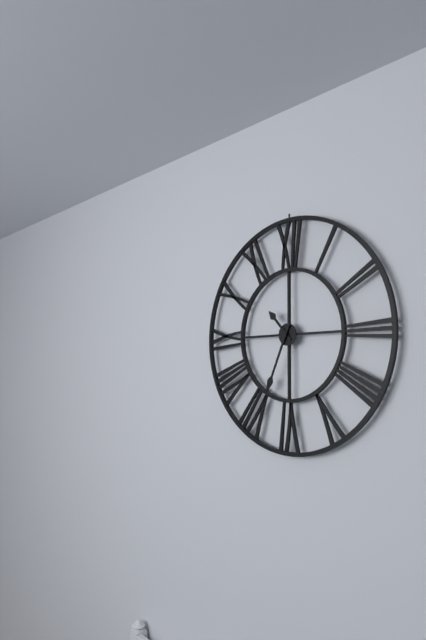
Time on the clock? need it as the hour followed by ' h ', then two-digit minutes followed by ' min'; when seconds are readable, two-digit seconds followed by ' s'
10 h 34 min
